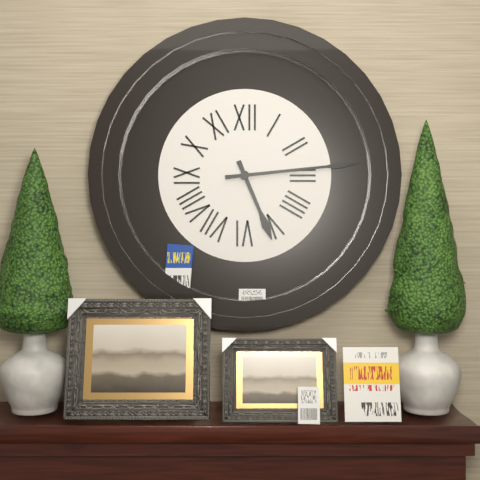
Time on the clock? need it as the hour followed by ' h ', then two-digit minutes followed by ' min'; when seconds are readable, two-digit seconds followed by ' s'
5 h 14 min
